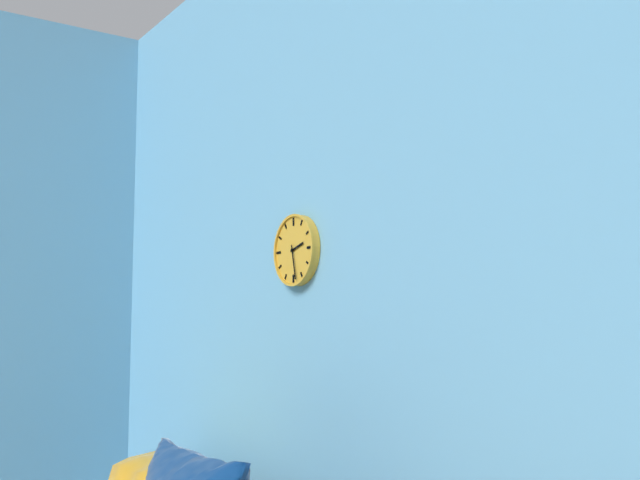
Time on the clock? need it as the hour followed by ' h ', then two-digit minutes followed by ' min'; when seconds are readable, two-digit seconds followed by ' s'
2 h 28 min
